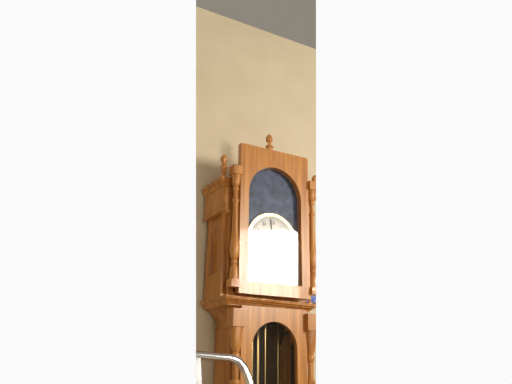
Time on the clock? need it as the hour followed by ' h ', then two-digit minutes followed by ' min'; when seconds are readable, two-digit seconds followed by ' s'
2 h 59 min
